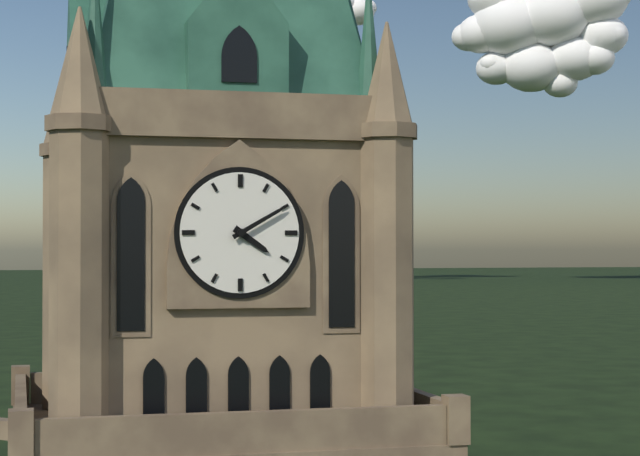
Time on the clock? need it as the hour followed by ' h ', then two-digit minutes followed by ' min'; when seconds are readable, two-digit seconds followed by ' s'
4 h 10 min
